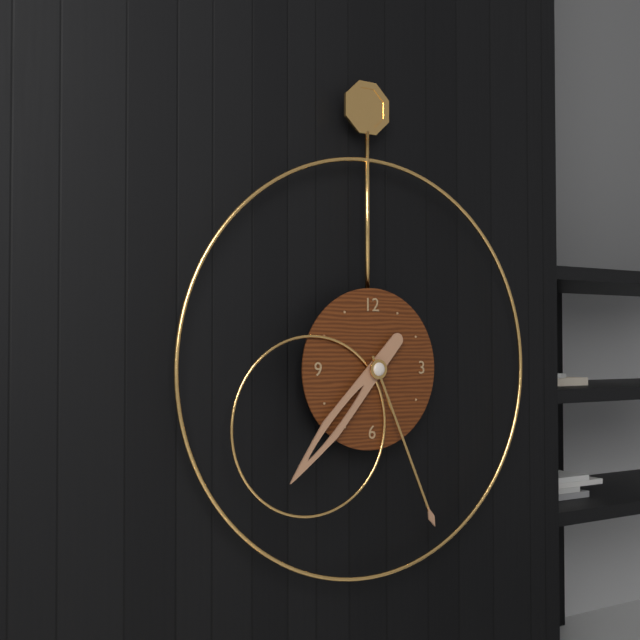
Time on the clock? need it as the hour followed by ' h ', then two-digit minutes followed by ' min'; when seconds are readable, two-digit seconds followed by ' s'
7 h 26 min
